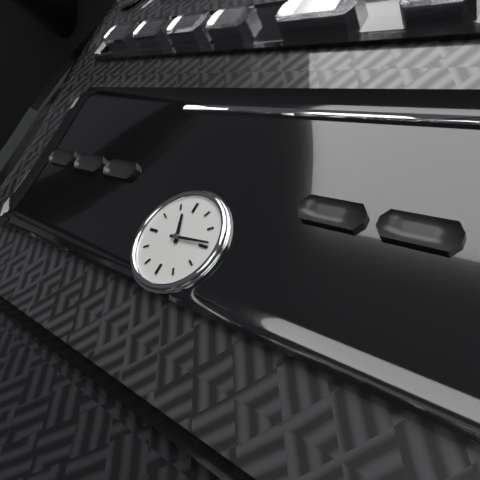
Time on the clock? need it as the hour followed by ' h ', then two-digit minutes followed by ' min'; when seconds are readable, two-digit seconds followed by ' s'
11 h 14 min
